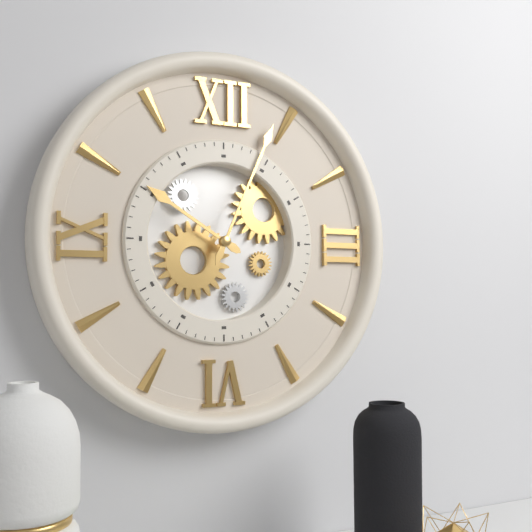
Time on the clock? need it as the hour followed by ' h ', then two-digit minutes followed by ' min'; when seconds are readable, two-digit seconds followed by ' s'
10 h 04 min
